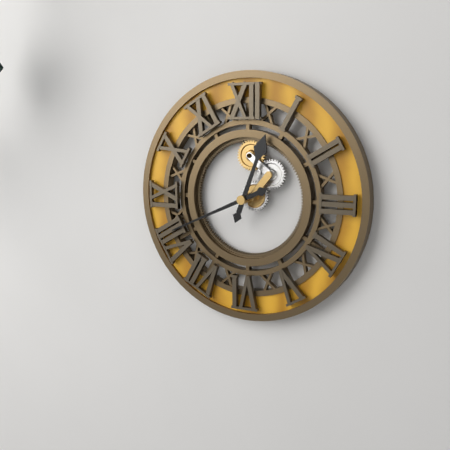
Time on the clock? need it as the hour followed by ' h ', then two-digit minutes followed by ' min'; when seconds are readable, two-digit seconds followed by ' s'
12 h 41 min
